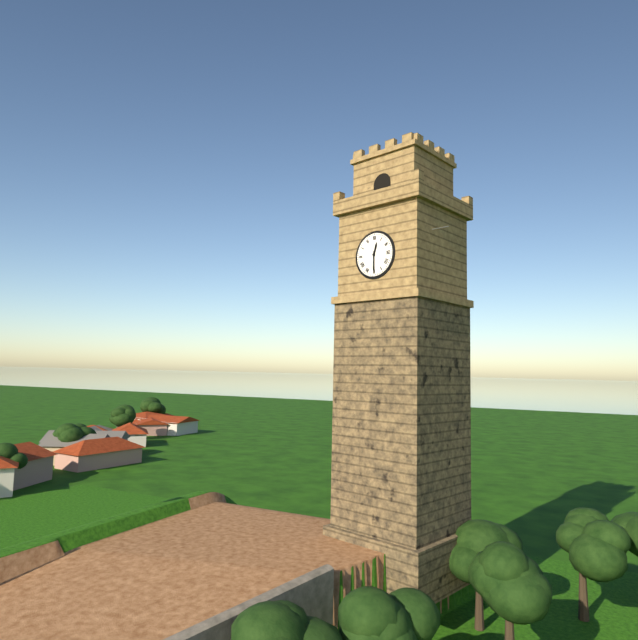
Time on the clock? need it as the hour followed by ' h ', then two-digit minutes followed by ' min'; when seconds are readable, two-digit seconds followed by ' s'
12 h 30 min
